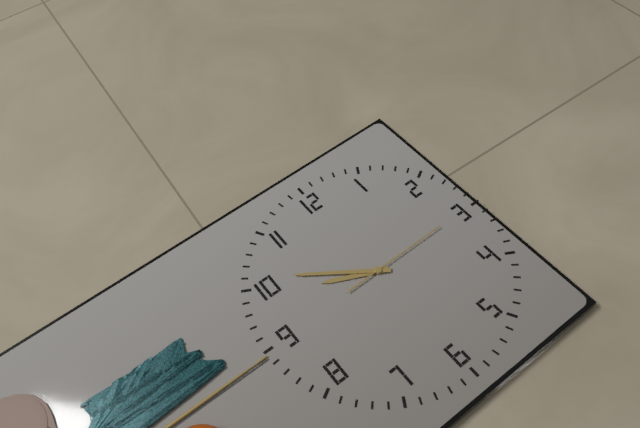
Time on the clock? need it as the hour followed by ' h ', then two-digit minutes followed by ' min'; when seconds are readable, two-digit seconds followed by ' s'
9 h 51 min 15 s
